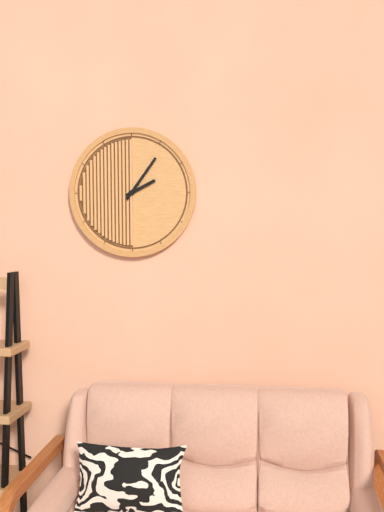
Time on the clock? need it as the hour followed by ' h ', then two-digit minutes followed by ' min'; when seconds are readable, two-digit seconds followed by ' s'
2 h 06 min
